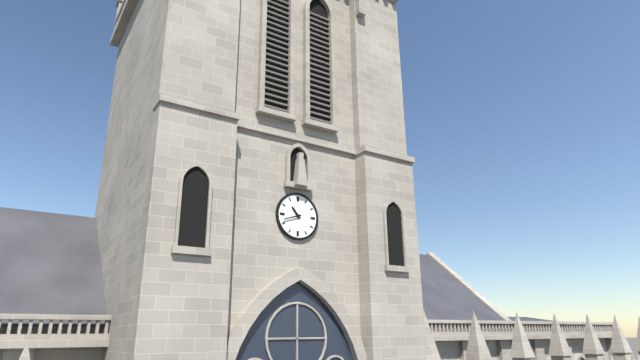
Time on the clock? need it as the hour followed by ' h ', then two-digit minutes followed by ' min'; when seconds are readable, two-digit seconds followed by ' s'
10 h 42 min
